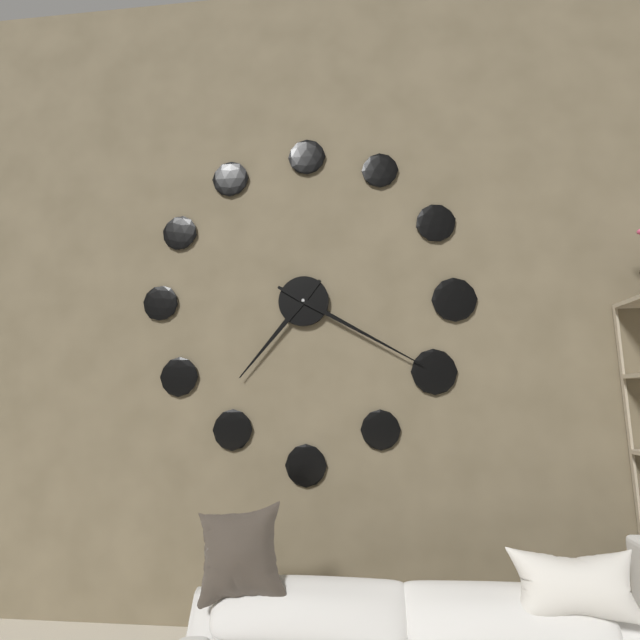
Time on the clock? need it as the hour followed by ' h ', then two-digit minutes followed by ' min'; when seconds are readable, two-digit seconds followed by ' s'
7 h 20 min
